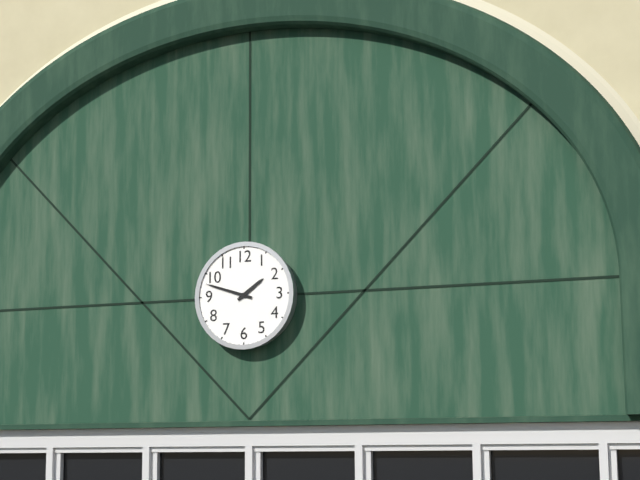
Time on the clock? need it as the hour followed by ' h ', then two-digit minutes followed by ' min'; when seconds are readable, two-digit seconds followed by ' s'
1 h 48 min
